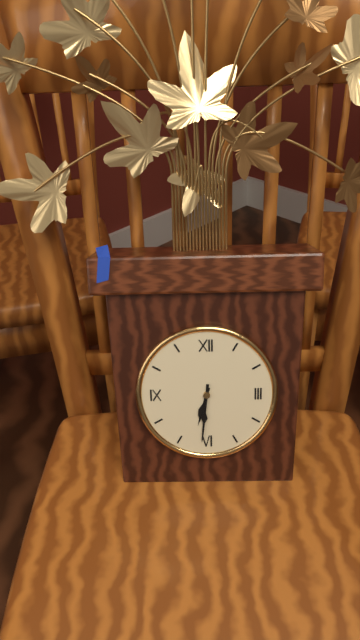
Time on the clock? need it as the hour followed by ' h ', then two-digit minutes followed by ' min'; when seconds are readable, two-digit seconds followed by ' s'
6 h 31 min
